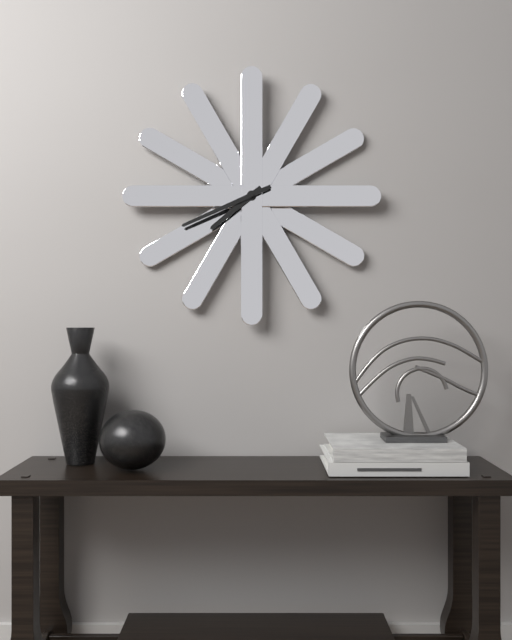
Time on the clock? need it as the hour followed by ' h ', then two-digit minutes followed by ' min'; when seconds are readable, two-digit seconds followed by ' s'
7 h 41 min
